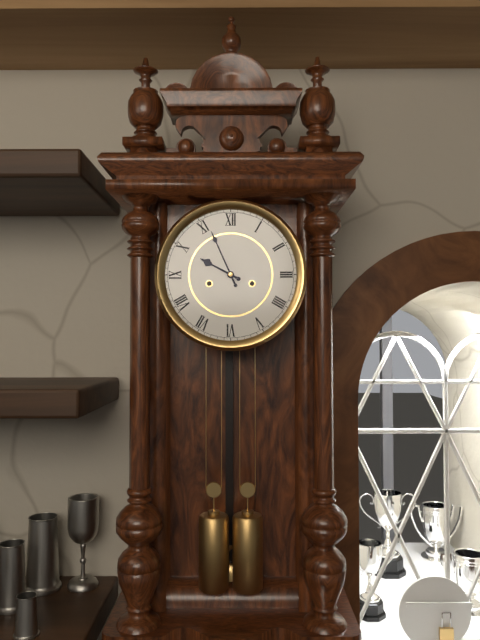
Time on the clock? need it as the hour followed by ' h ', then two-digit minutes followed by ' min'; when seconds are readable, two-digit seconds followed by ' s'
9 h 56 min
